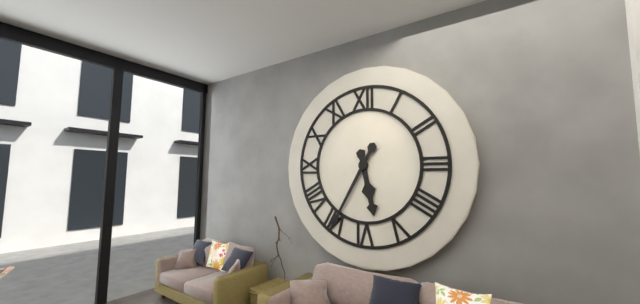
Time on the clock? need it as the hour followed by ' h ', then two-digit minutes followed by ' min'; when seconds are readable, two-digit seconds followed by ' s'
5 h 35 min
